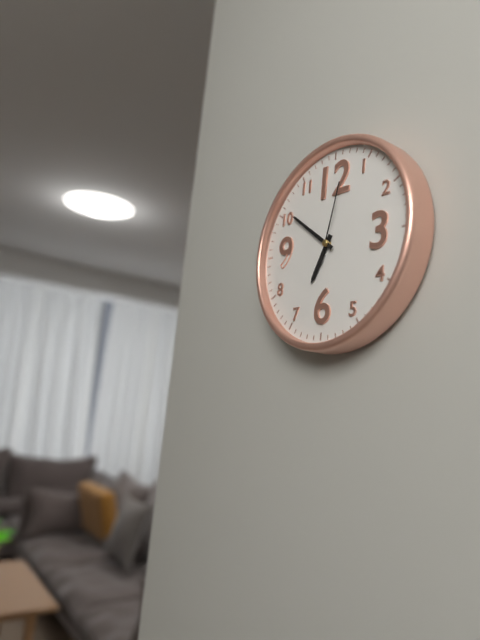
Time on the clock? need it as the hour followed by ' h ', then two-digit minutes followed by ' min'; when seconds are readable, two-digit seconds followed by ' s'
6 h 51 min 02 s
